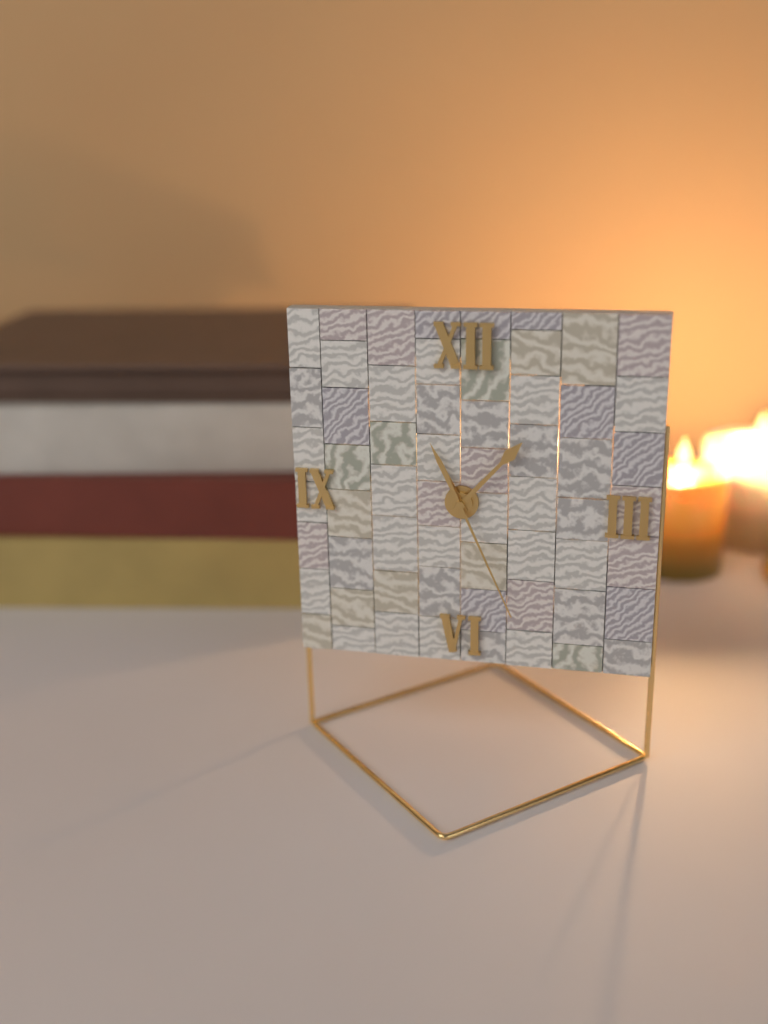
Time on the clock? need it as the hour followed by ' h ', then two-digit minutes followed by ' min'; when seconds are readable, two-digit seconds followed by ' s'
11 h 07 min 26 s
